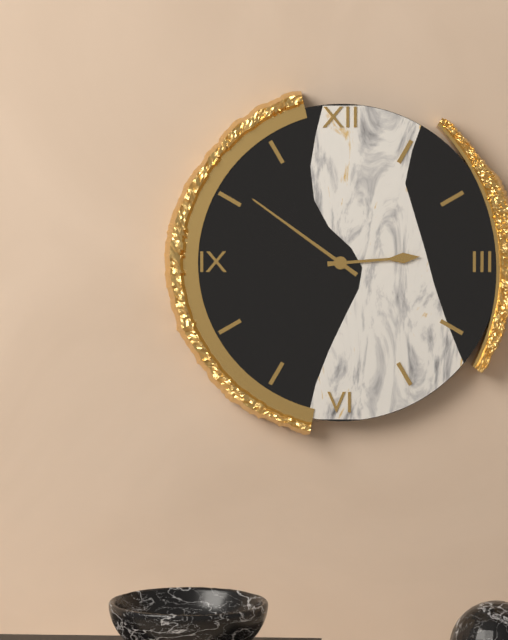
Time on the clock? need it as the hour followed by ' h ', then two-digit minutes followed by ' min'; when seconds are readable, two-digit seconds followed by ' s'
2 h 51 min
